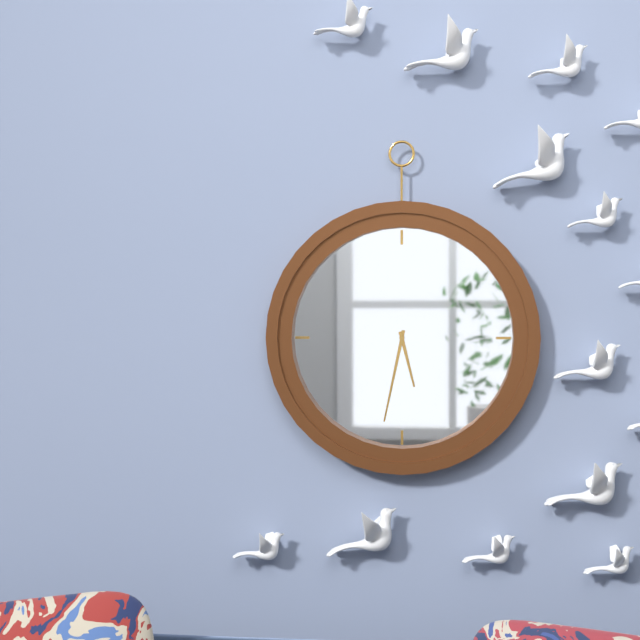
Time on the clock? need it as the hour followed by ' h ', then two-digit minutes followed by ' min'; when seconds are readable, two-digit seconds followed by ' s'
5 h 32 min
